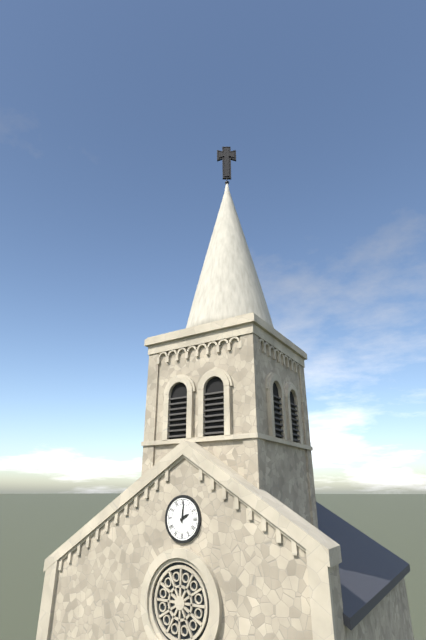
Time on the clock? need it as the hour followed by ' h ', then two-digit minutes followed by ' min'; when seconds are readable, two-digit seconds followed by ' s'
2 h 01 min
